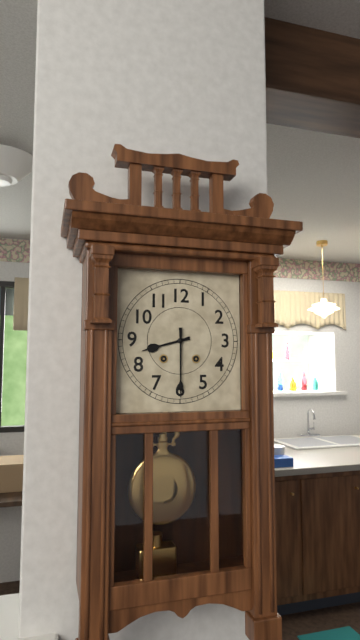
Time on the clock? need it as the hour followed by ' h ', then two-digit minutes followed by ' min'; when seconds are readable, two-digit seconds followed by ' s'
8 h 30 min
